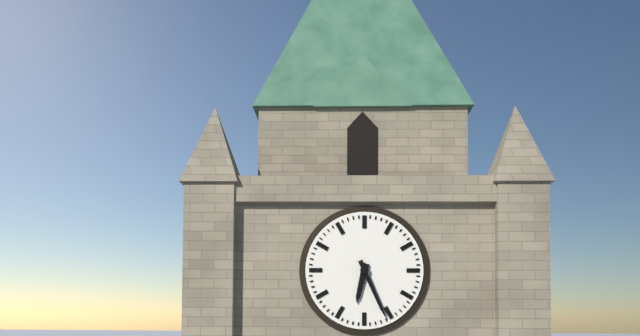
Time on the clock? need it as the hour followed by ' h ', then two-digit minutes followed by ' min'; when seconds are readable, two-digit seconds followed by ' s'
6 h 26 min
